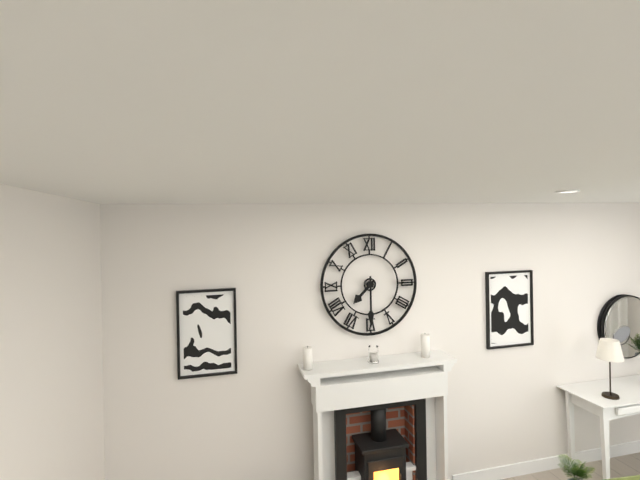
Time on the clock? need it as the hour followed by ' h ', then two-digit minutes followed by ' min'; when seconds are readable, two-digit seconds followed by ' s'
7 h 30 min
